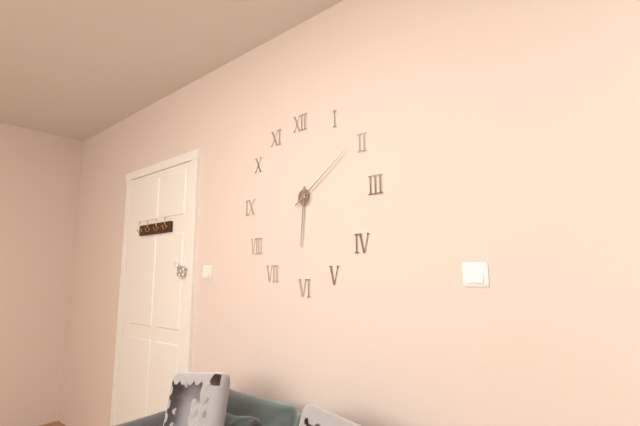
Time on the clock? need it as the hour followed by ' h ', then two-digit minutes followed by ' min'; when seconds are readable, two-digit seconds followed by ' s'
6 h 09 min
